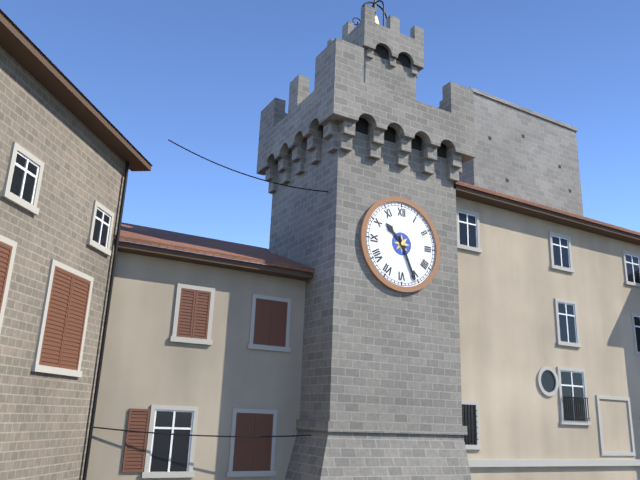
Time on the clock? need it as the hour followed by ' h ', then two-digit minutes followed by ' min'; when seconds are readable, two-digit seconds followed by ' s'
10 h 26 min
